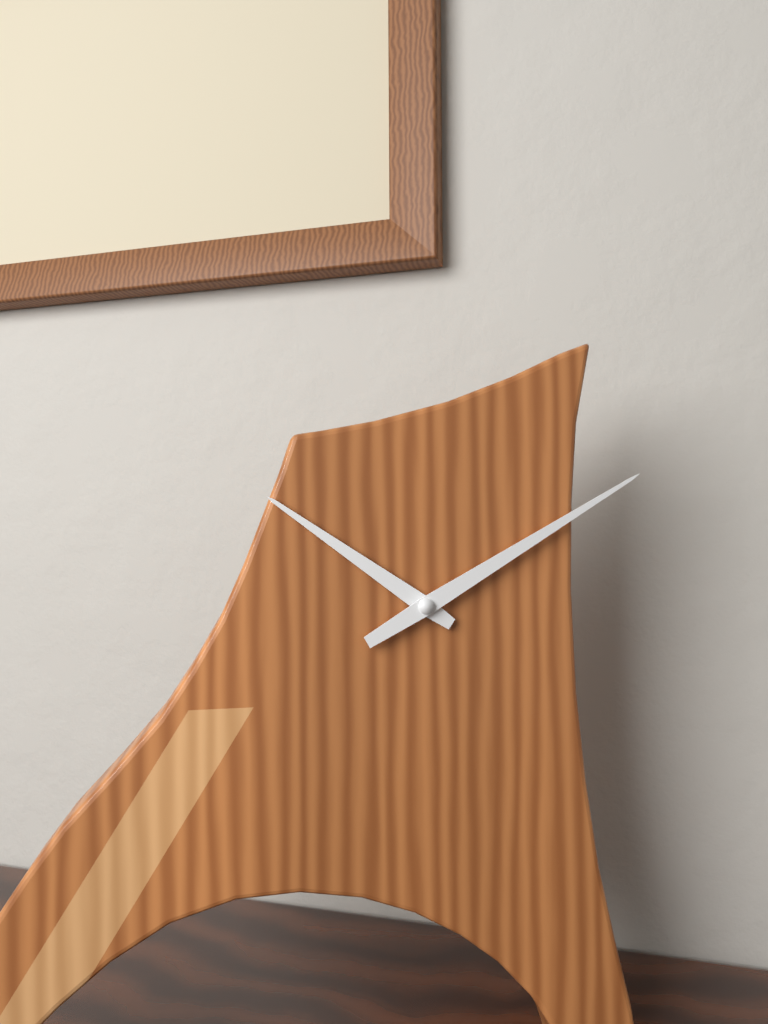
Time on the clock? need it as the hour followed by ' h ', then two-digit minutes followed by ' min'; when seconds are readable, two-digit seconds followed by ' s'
10 h 10 min
